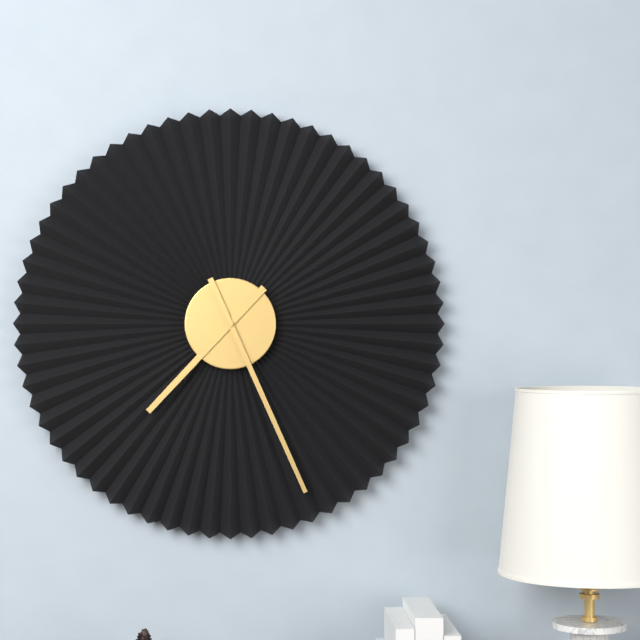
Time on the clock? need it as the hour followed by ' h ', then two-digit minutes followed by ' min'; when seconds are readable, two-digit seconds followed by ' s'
7 h 26 min
